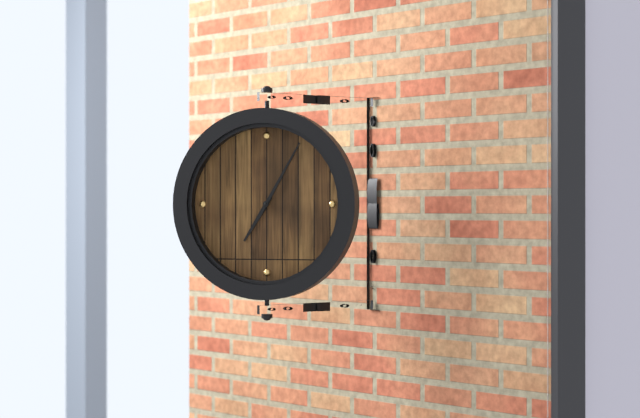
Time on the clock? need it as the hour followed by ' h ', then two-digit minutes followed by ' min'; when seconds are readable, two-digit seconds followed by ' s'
7 h 05 min
